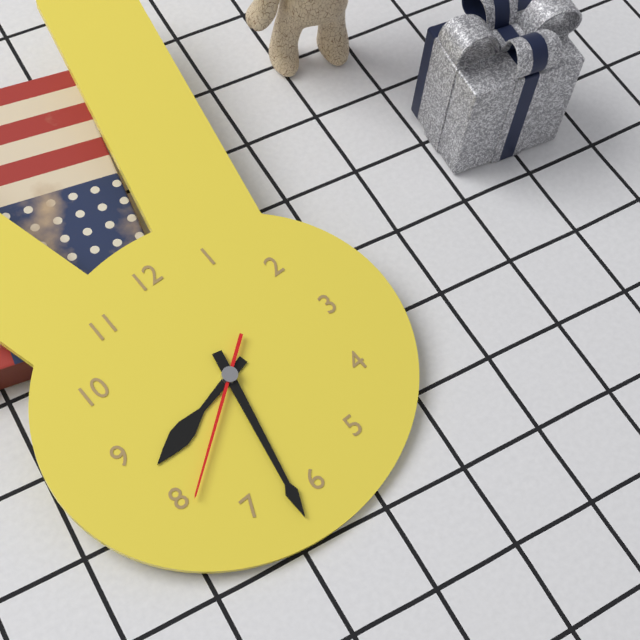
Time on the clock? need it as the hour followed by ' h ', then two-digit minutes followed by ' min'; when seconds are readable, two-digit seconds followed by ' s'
8 h 32 min 39 s
